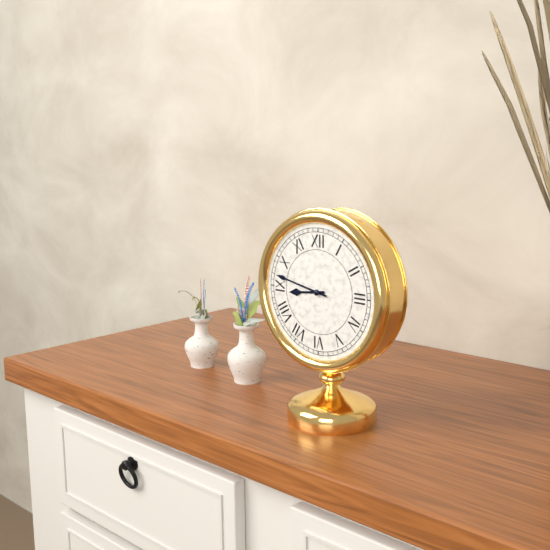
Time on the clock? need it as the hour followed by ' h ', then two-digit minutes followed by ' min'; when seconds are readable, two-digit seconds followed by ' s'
8 h 47 min
